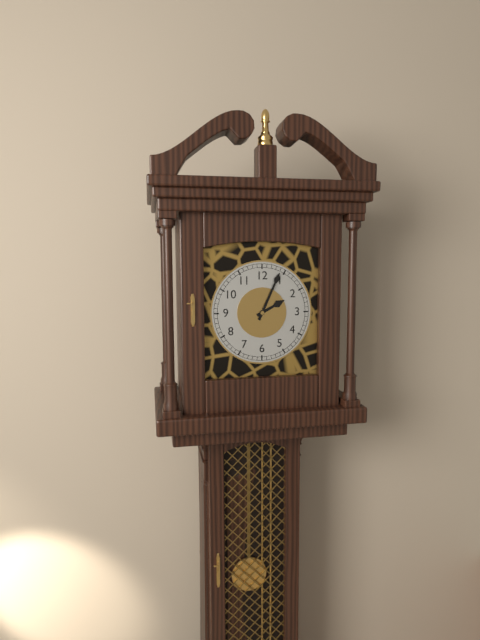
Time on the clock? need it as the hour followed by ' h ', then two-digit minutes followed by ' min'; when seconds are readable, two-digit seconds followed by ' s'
2 h 04 min
